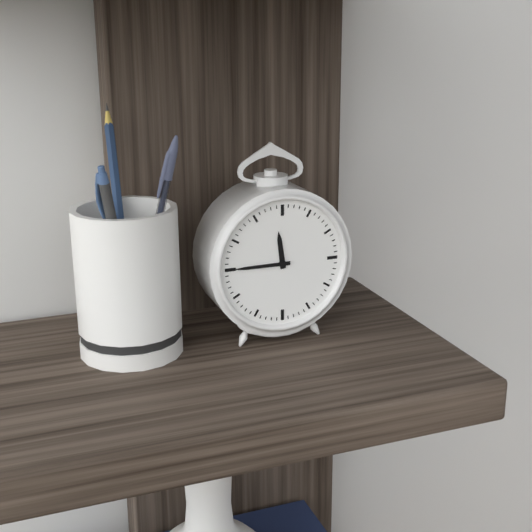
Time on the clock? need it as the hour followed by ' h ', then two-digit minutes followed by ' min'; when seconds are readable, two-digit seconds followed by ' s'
11 h 45 min
